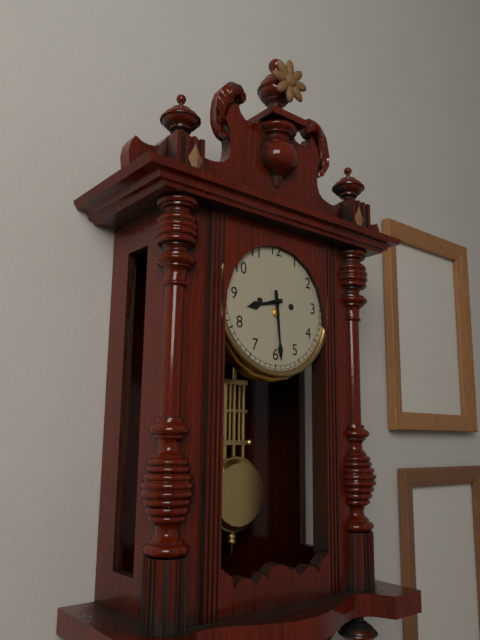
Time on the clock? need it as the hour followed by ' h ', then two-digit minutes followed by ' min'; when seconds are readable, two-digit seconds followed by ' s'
8 h 29 min
